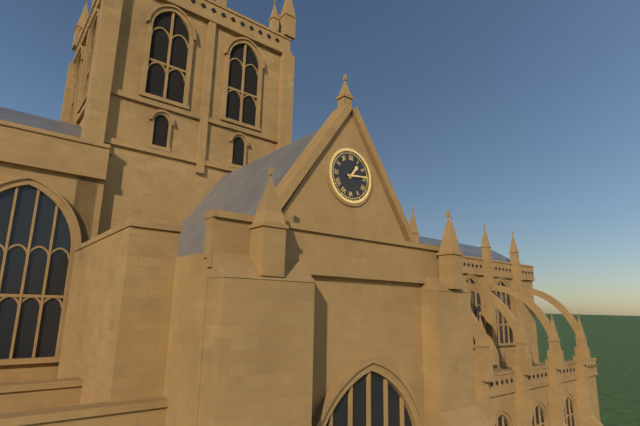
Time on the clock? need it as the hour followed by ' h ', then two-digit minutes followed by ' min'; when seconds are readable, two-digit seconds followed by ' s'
1 h 14 min
